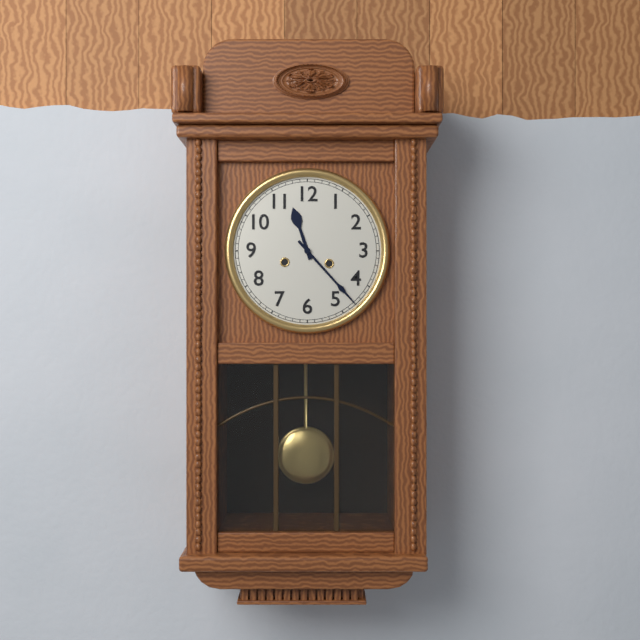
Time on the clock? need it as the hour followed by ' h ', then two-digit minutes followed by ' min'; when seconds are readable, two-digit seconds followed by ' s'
11 h 23 min
